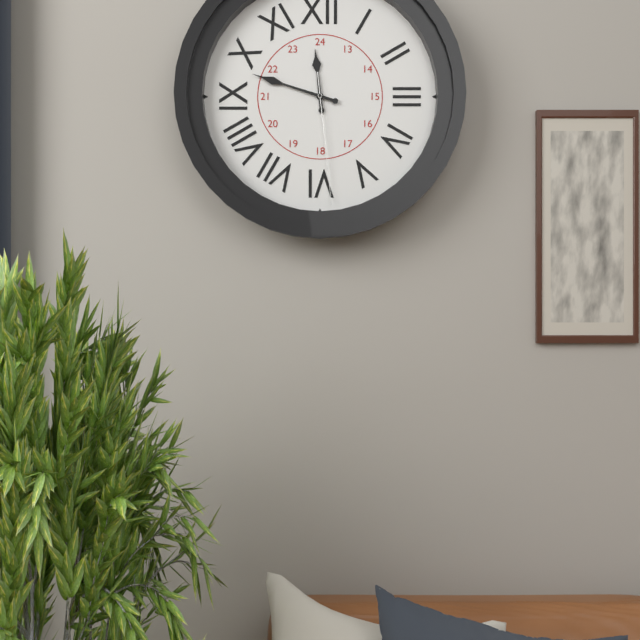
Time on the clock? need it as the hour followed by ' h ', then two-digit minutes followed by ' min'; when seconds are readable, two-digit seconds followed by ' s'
11 h 48 min 29 s
